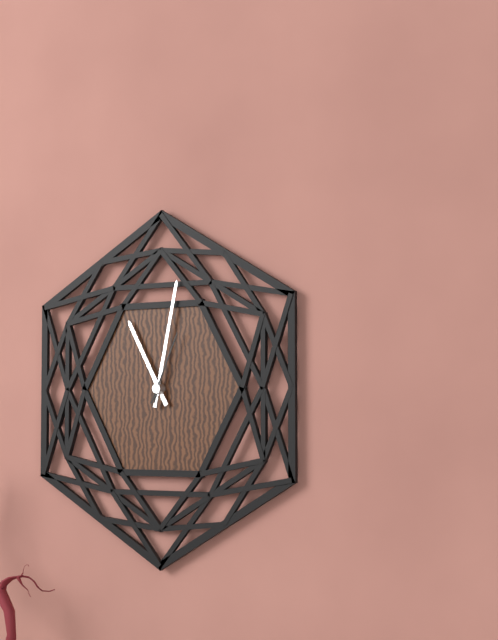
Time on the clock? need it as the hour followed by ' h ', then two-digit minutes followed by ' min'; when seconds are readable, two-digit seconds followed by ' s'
11 h 02 min 04 s
